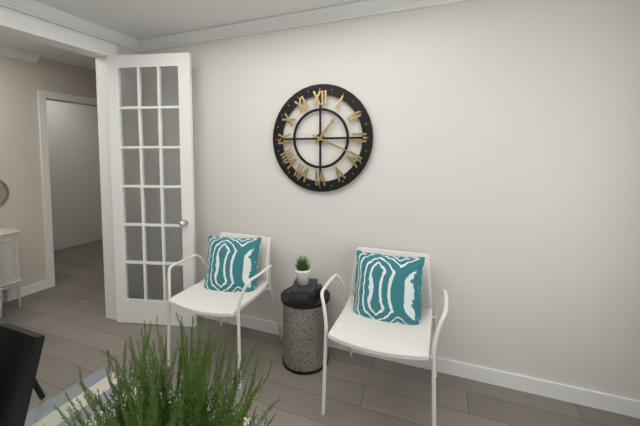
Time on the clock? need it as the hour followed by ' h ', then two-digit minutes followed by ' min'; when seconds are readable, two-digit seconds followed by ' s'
1 h 19 min
